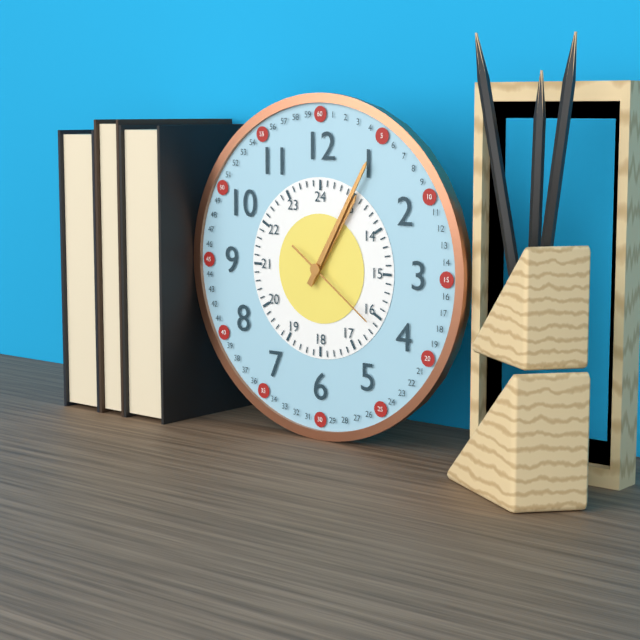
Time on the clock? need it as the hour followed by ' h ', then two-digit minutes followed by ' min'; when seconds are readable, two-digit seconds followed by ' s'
1 h 05 min 21 s
